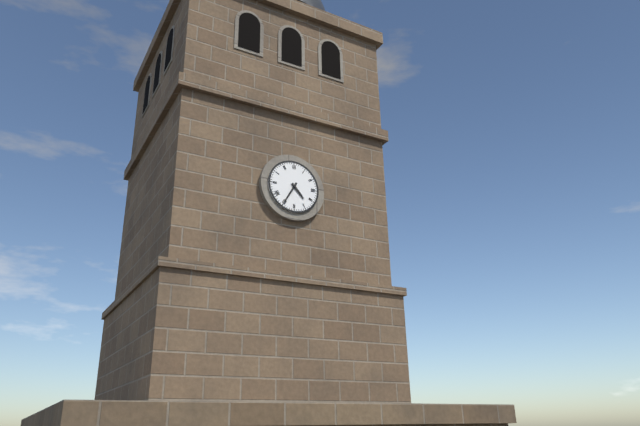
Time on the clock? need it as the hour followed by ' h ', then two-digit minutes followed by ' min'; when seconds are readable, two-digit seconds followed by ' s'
4 h 35 min
